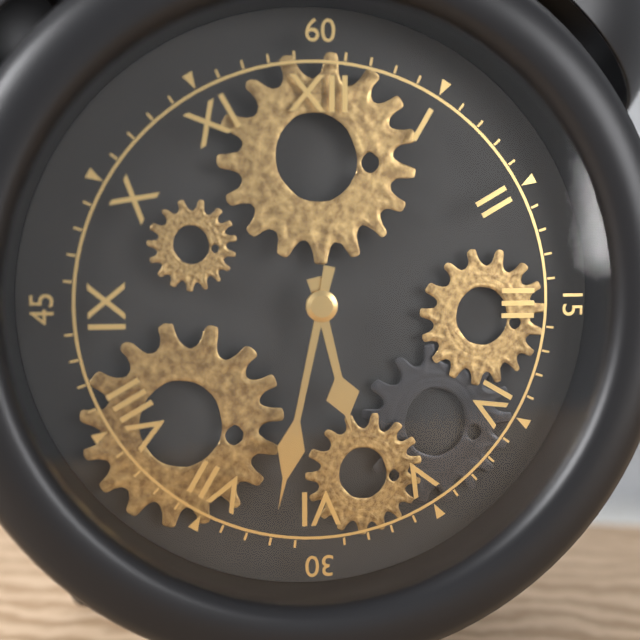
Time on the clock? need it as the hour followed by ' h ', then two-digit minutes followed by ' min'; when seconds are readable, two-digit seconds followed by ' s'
5 h 32 min
